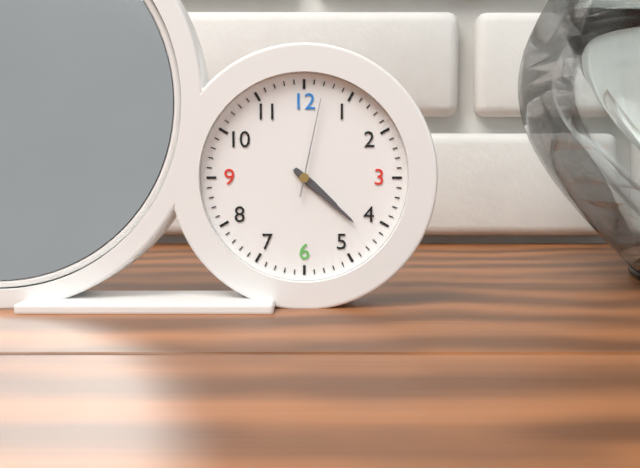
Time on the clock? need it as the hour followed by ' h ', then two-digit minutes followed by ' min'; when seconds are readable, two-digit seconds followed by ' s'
4 h 22 min 02 s
